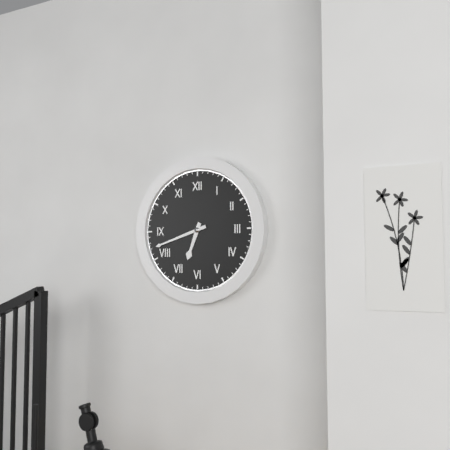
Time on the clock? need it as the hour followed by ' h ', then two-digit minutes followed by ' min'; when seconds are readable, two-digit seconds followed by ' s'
6 h 42 min
